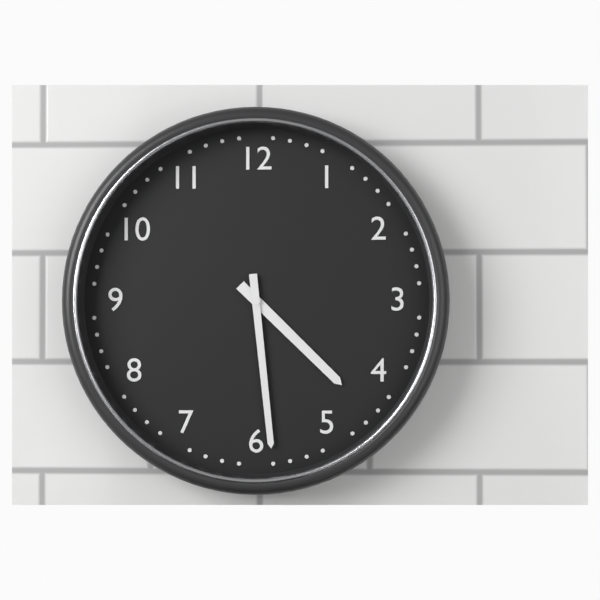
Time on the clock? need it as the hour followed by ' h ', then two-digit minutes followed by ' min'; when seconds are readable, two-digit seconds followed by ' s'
4 h 29 min
